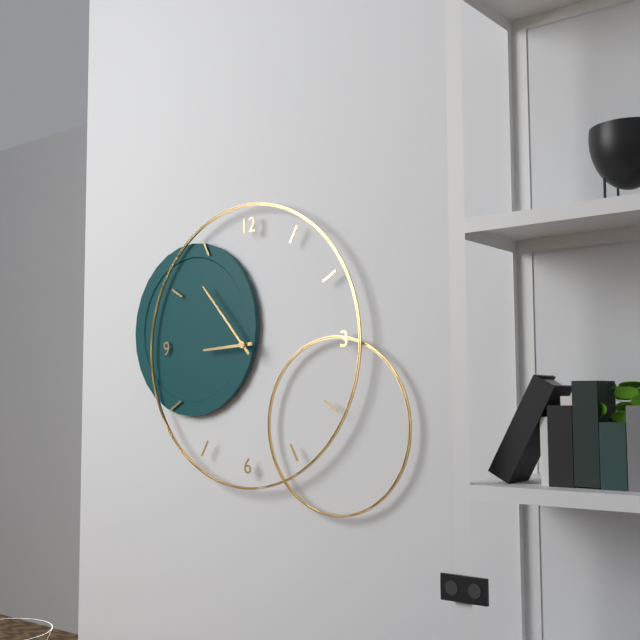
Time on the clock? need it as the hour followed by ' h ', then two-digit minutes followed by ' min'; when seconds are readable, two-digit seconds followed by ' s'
8 h 53 min
